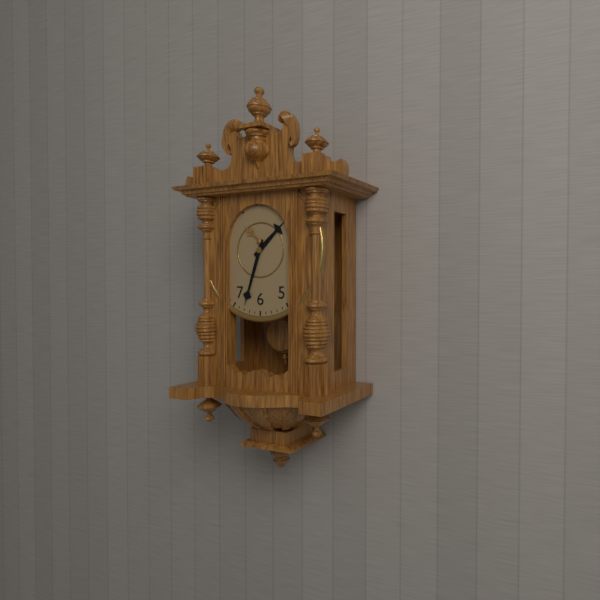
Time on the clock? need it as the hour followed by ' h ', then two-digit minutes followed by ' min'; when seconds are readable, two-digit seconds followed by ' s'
1 h 33 min
